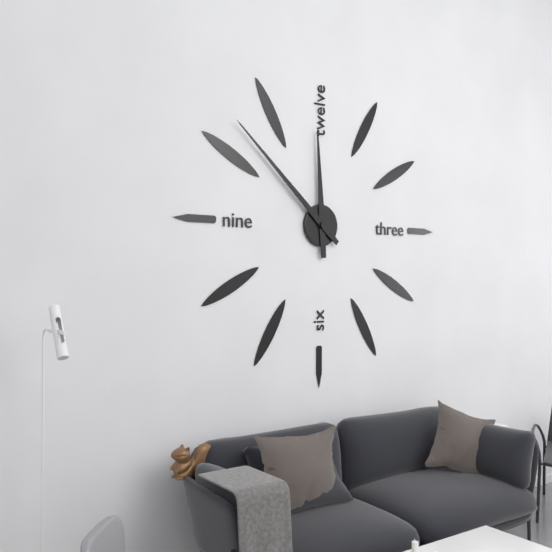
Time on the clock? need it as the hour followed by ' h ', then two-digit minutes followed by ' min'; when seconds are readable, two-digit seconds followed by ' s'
11 h 52 min
